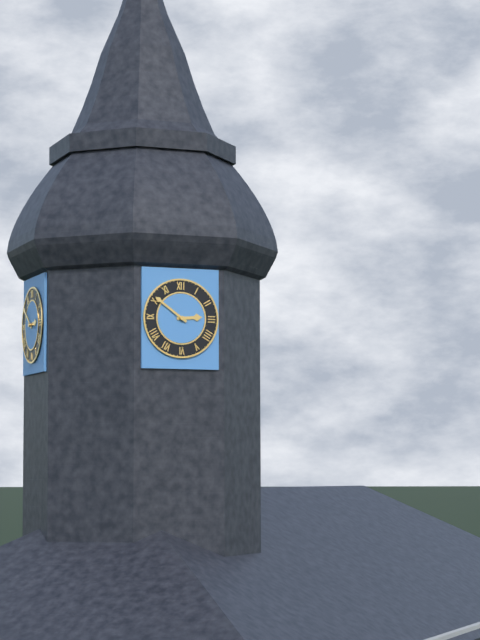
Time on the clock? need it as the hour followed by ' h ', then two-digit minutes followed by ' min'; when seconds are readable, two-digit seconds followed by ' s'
2 h 51 min
